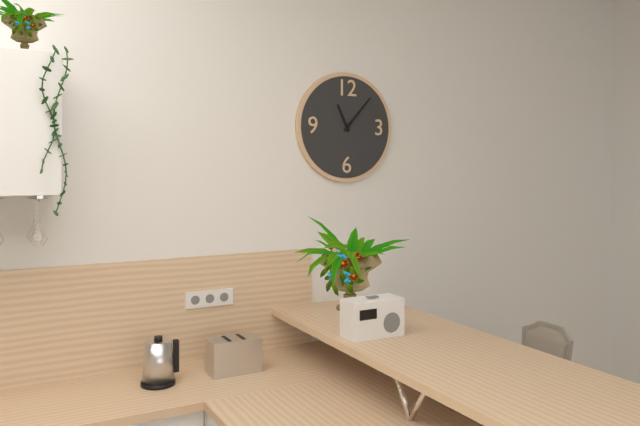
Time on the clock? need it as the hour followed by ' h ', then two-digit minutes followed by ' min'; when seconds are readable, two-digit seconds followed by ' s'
11 h 07 min
